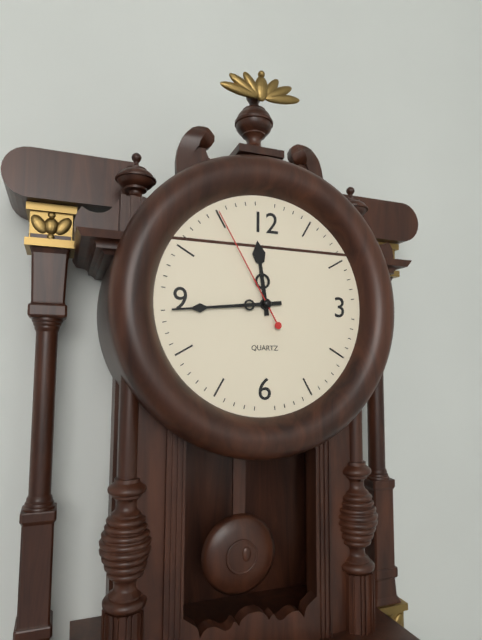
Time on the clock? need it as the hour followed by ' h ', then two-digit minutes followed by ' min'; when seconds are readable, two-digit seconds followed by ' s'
11 h 44 min 55 s
